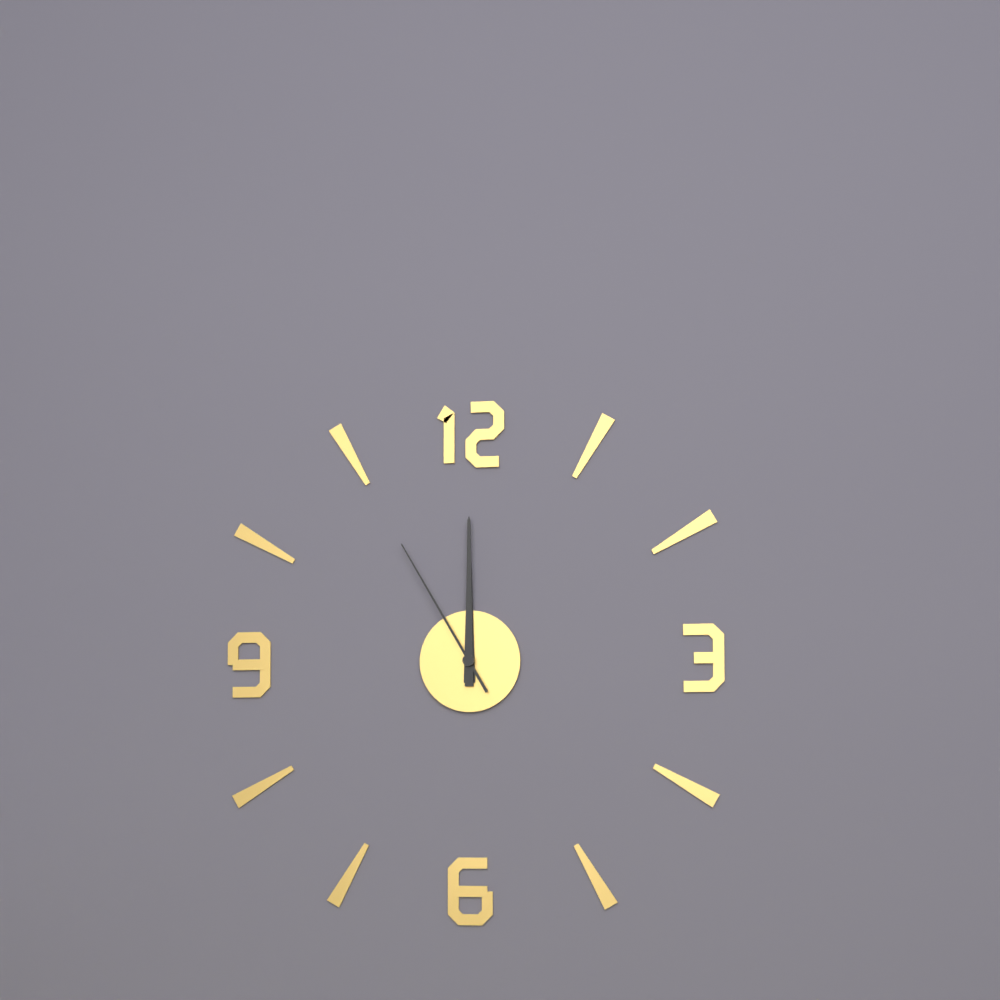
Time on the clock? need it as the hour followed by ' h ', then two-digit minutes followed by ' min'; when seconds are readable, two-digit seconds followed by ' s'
12 h 00 min 55 s
